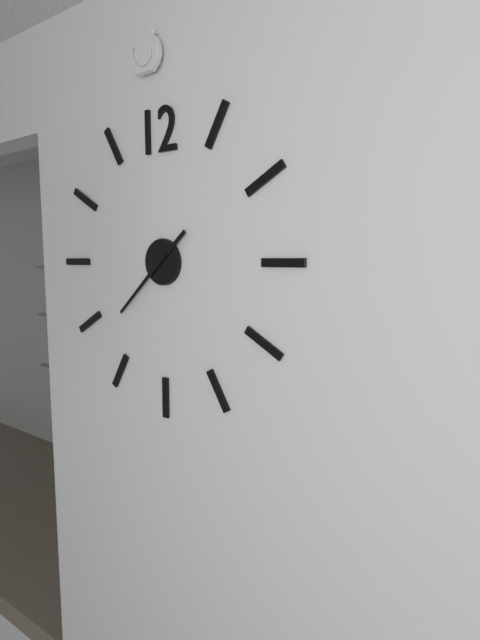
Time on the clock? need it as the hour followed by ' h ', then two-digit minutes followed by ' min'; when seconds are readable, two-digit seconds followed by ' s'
1 h 38 min
